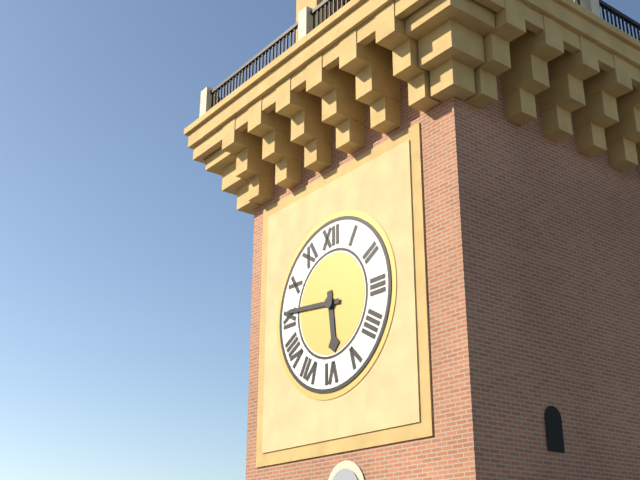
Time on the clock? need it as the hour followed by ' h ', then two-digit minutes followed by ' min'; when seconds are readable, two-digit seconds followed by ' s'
5 h 46 min
